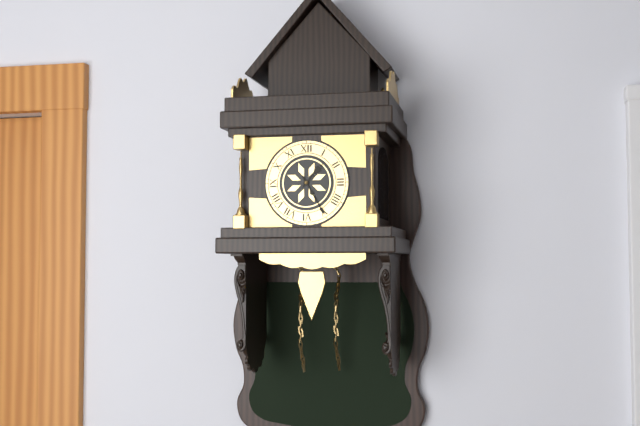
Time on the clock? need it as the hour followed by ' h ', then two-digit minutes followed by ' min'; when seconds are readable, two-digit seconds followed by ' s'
1 h 25 min
